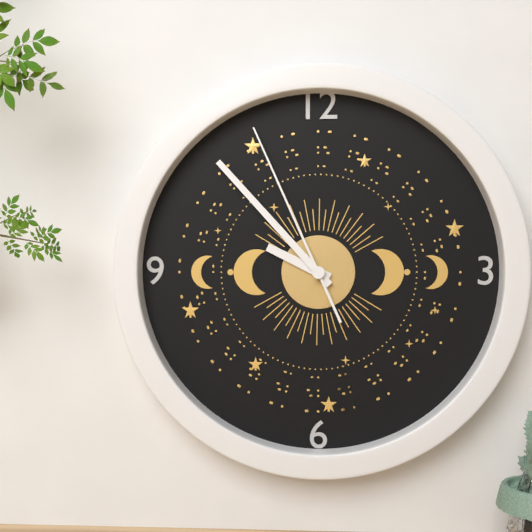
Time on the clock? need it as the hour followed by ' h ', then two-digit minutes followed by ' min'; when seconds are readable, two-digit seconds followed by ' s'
9 h 53 min 56 s
